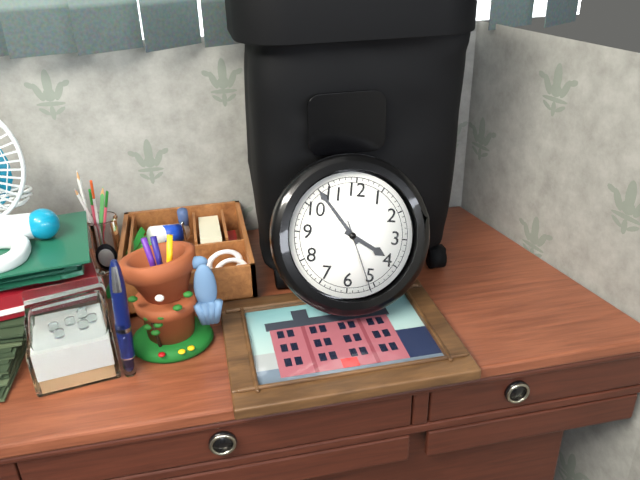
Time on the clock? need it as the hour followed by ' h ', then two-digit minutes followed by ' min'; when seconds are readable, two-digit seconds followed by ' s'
3 h 53 min 26 s
